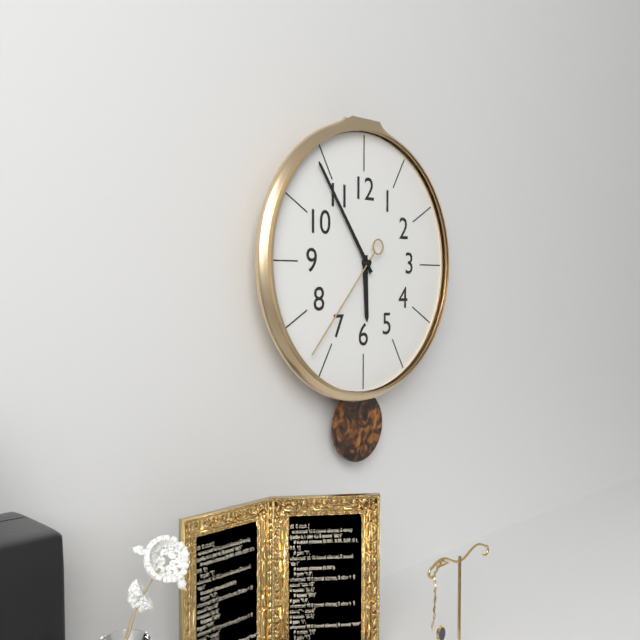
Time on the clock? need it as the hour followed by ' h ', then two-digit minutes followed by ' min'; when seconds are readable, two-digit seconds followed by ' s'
5 h 54 min 37 s
